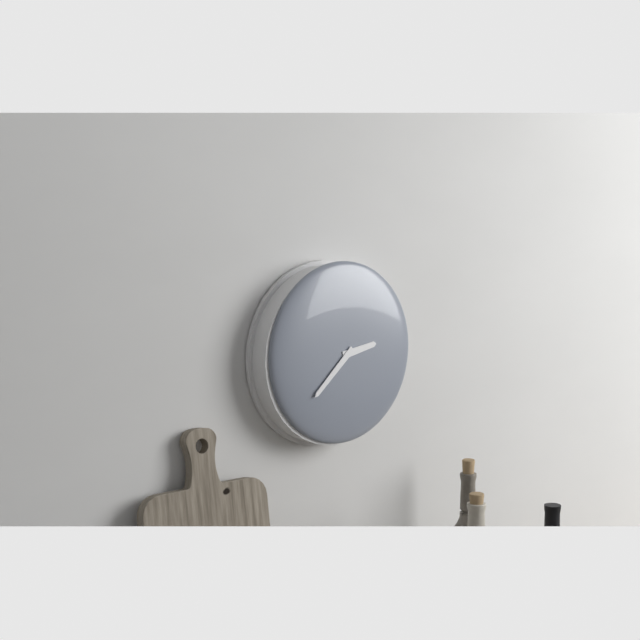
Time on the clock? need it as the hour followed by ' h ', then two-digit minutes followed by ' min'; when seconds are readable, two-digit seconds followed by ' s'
2 h 38 min
